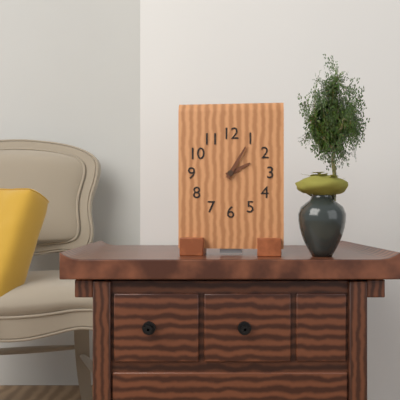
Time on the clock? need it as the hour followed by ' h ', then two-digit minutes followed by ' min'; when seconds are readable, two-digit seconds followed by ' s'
2 h 05 min
